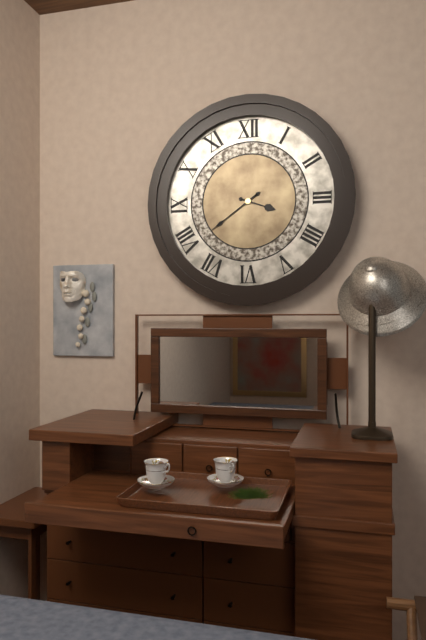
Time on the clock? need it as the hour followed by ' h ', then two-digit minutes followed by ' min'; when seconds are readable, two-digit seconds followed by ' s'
3 h 39 min
